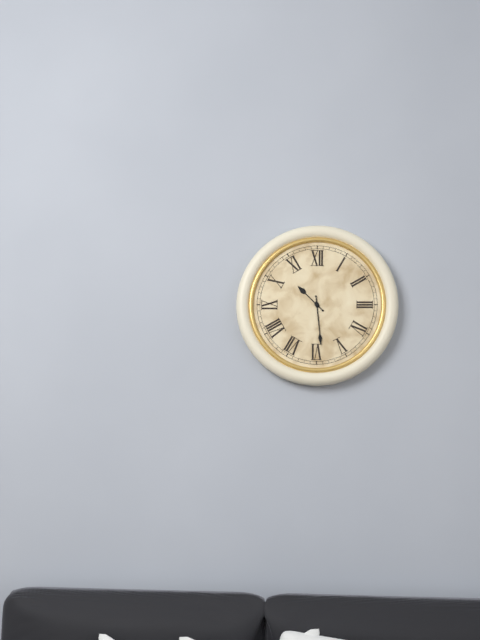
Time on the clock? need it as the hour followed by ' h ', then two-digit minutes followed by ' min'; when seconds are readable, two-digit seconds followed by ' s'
10 h 29 min
